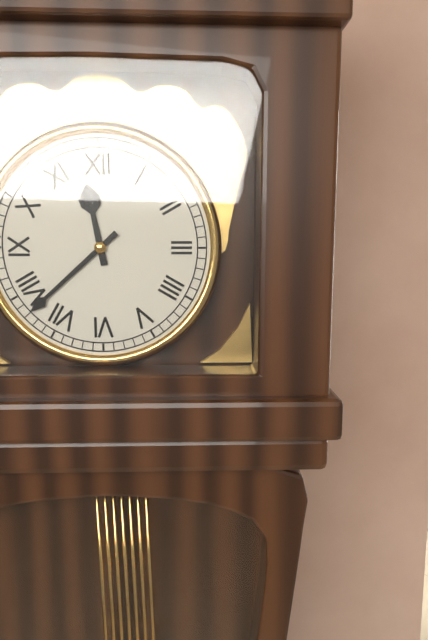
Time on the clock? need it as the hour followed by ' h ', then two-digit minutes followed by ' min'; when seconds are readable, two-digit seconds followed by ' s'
11 h 38 min
